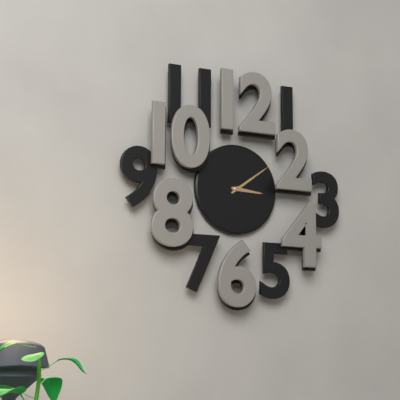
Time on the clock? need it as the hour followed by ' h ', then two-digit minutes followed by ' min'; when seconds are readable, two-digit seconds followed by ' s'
3 h 09 min
